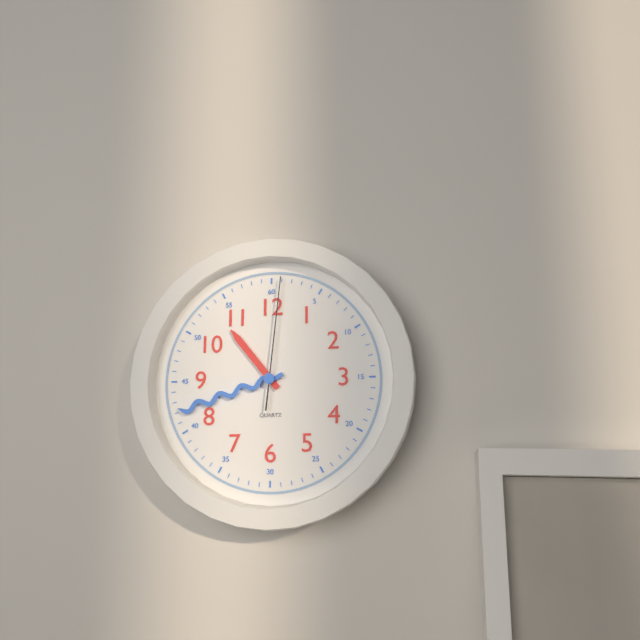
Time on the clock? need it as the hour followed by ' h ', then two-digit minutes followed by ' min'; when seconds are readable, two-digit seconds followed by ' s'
10 h 42 min 01 s
